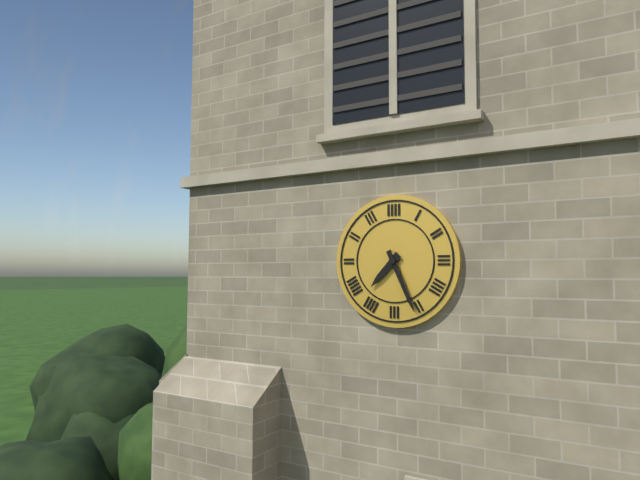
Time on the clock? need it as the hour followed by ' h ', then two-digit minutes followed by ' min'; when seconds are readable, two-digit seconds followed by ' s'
7 h 26 min
